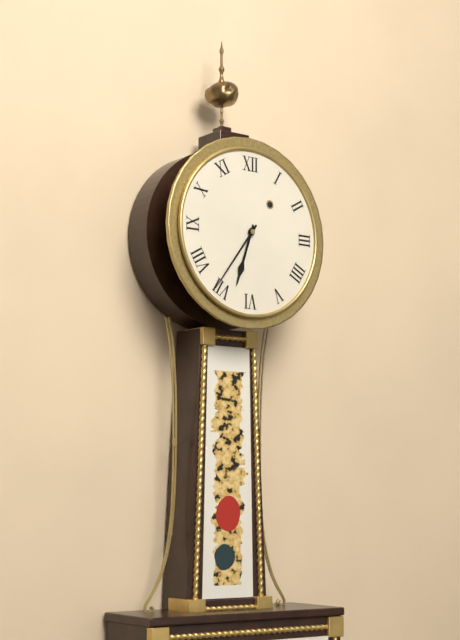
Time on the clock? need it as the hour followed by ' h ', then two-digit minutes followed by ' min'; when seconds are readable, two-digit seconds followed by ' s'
6 h 36 min
